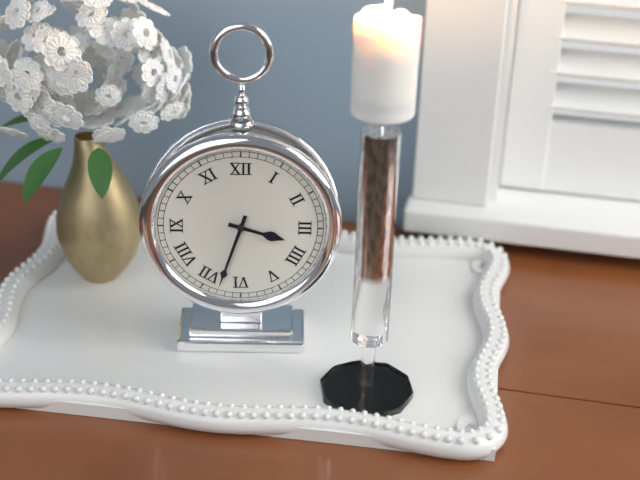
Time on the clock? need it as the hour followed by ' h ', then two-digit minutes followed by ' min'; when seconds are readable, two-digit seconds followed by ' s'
3 h 33 min
